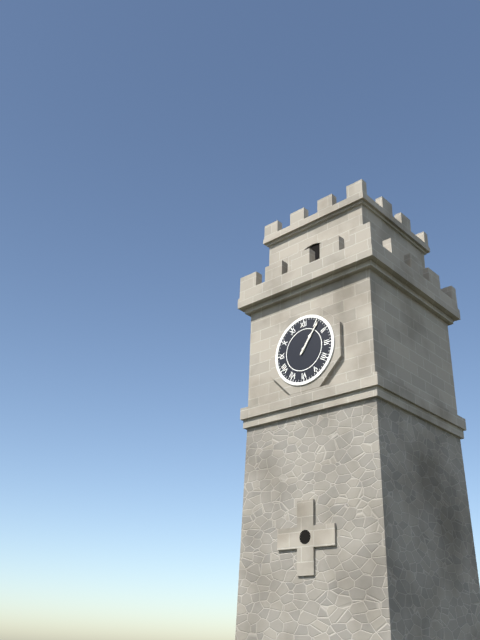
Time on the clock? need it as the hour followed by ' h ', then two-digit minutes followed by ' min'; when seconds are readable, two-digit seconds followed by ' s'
1 h 06 min
